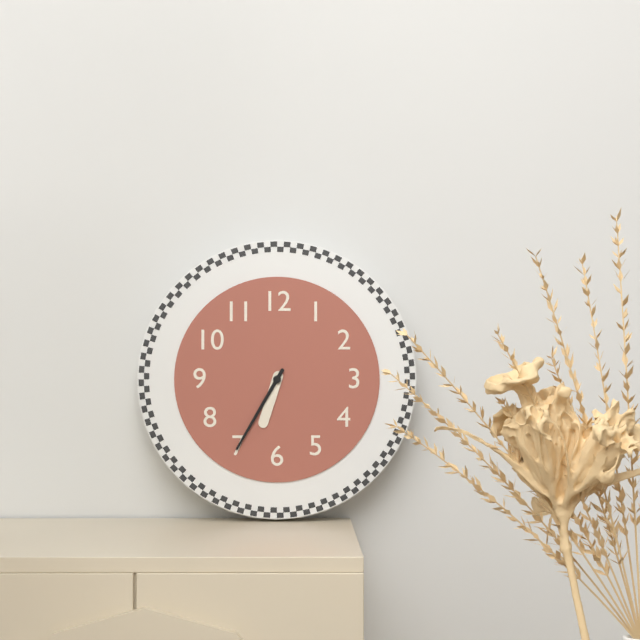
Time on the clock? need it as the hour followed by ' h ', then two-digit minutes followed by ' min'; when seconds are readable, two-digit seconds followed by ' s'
6 h 35 min
